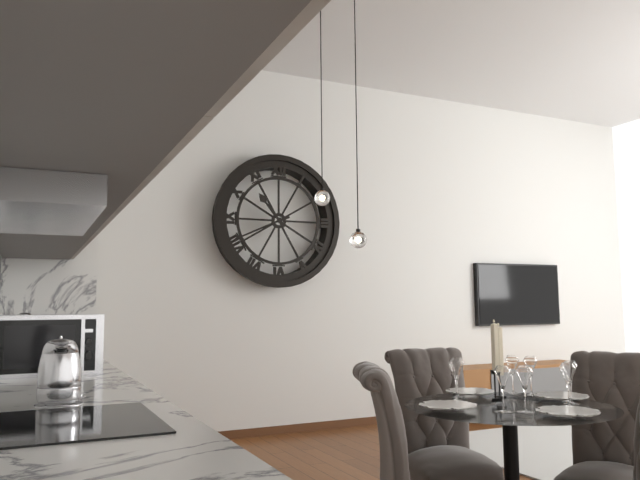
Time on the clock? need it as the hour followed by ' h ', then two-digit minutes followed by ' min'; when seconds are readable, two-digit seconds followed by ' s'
10 h 41 min
